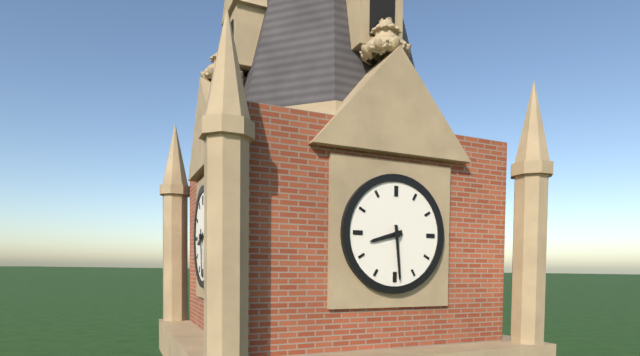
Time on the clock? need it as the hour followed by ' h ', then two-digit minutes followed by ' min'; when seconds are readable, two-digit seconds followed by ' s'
8 h 29 min
